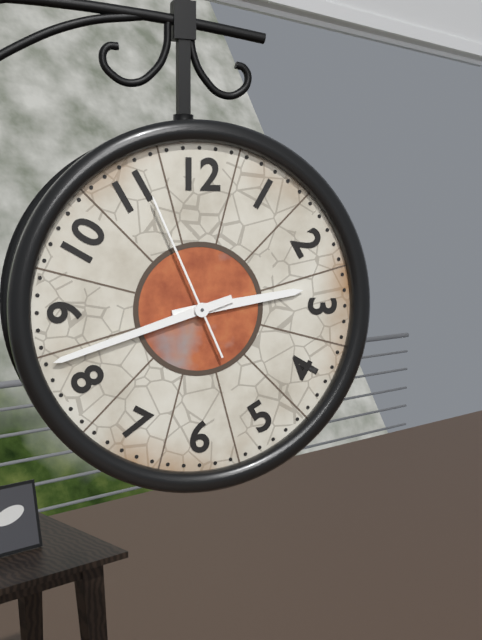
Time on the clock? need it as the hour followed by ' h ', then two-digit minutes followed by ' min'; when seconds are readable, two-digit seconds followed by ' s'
2 h 42 min 56 s
